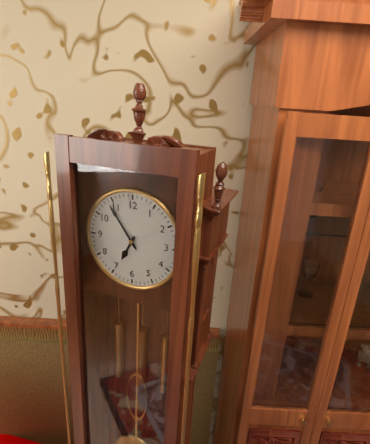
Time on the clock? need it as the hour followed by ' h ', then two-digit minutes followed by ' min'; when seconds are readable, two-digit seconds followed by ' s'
6 h 54 min
